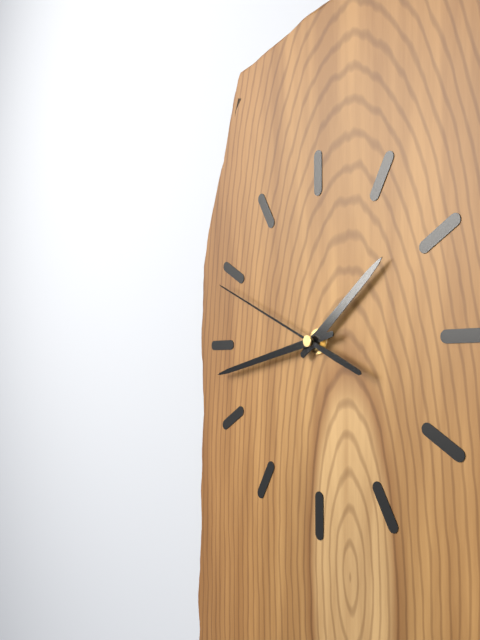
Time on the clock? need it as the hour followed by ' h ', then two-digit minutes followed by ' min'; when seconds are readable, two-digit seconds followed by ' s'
1 h 43 min 49 s
